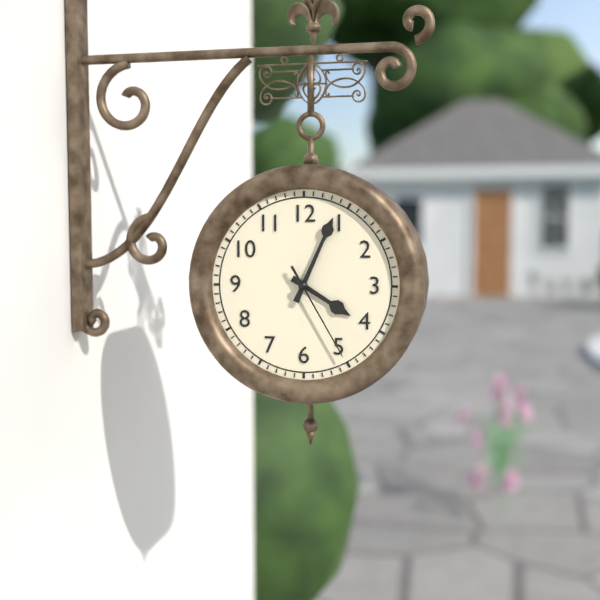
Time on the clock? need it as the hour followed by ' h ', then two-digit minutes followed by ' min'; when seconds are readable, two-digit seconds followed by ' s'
4 h 04 min 25 s
